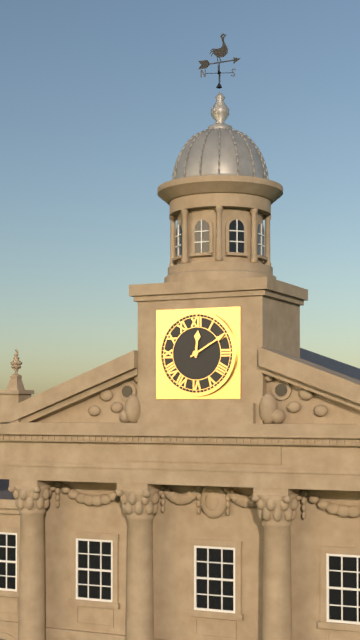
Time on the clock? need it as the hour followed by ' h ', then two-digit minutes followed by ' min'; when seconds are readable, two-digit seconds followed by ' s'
12 h 10 min
